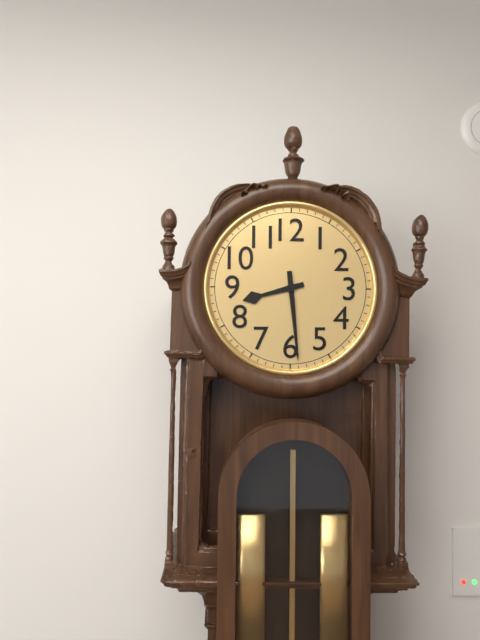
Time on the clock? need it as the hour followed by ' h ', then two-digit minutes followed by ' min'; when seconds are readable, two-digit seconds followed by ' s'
8 h 29 min
